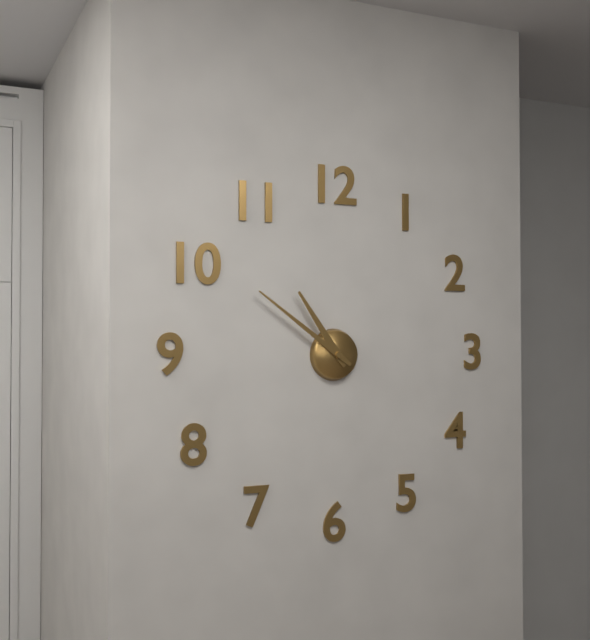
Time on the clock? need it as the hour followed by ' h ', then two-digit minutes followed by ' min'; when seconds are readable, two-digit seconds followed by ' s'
10 h 51 min
